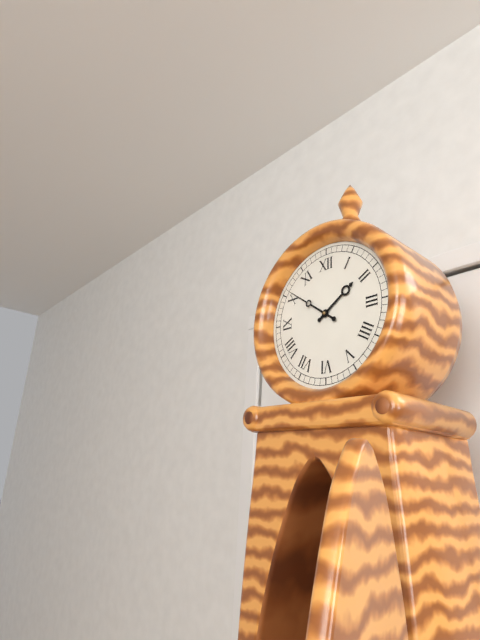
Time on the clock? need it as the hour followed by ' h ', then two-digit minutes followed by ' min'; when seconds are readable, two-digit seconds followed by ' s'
1 h 51 min
